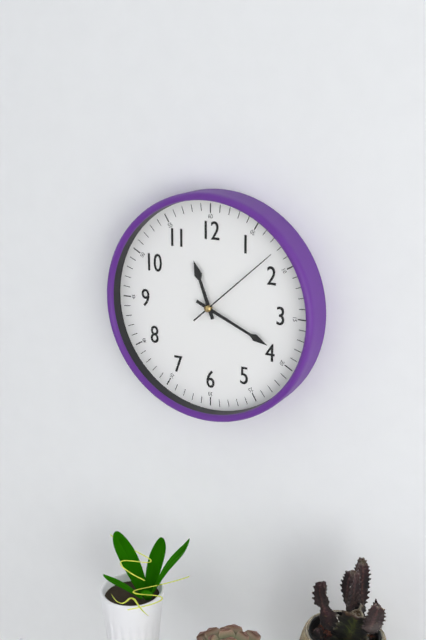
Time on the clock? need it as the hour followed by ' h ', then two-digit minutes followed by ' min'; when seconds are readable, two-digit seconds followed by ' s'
11 h 19 min 08 s
